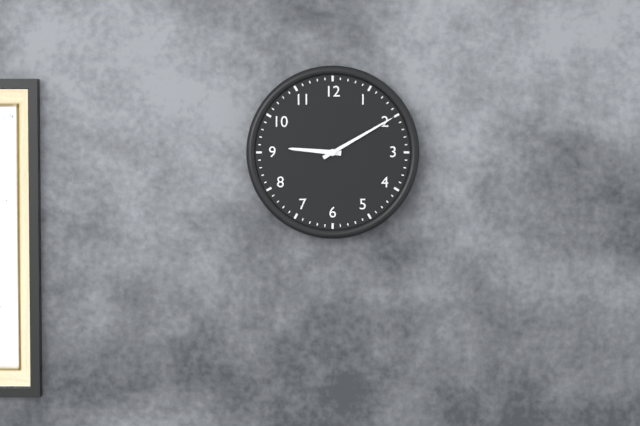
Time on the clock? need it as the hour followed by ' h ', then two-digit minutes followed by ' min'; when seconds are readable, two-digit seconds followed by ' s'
9 h 10 min
